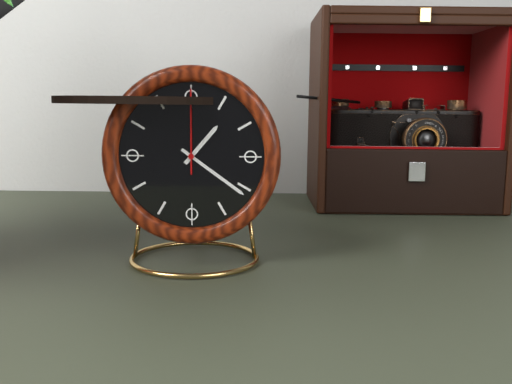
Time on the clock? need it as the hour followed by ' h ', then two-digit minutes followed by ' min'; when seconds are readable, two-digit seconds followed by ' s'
1 h 21 min 00 s
